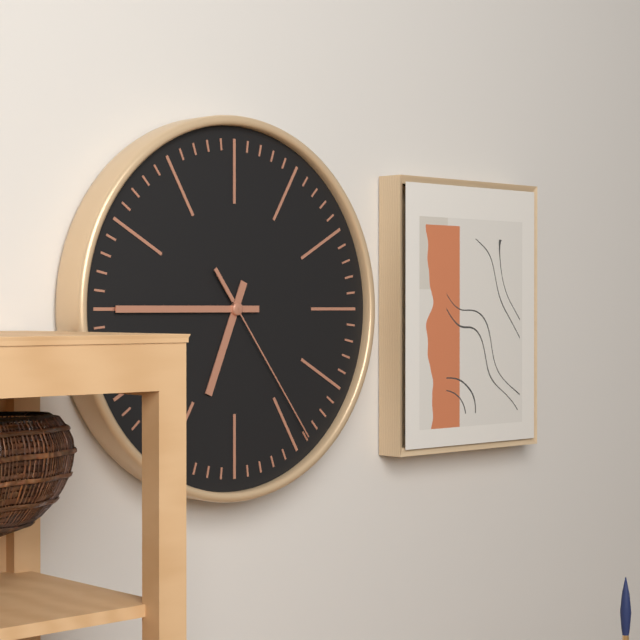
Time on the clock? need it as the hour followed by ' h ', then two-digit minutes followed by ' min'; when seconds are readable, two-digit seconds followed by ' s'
6 h 45 min 24 s
